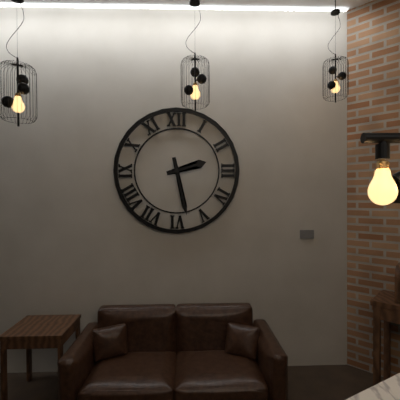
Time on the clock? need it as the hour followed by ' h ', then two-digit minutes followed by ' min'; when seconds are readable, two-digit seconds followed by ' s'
2 h 28 min
